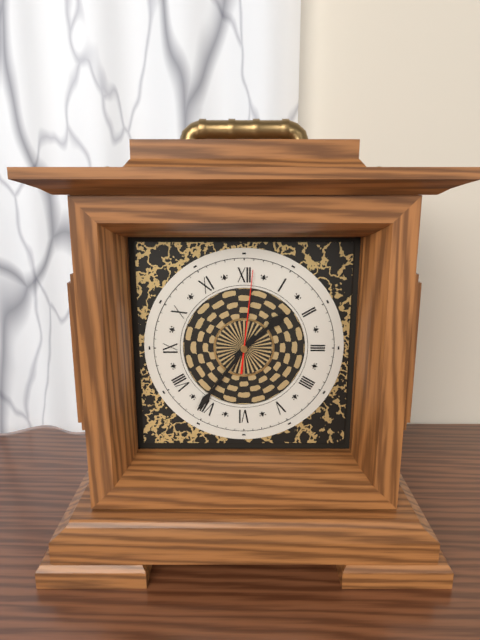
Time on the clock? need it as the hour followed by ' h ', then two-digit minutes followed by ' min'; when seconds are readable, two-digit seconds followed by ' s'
1 h 36 min 01 s
